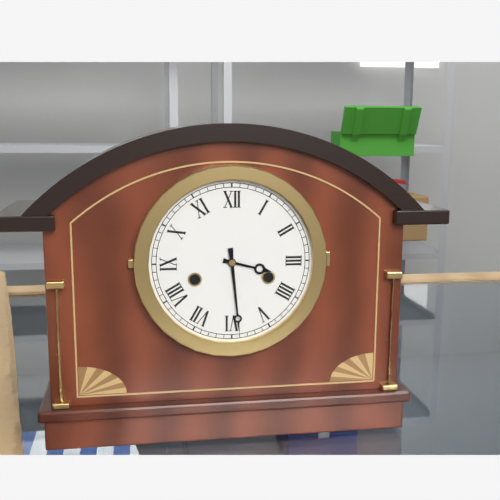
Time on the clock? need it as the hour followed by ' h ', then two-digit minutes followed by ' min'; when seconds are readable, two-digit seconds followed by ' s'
3 h 29 min
